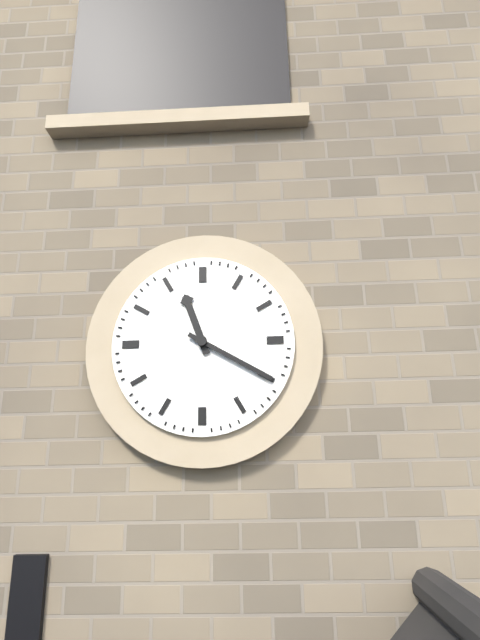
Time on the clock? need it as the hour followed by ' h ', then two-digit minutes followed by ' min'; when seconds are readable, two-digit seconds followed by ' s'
11 h 20 min
